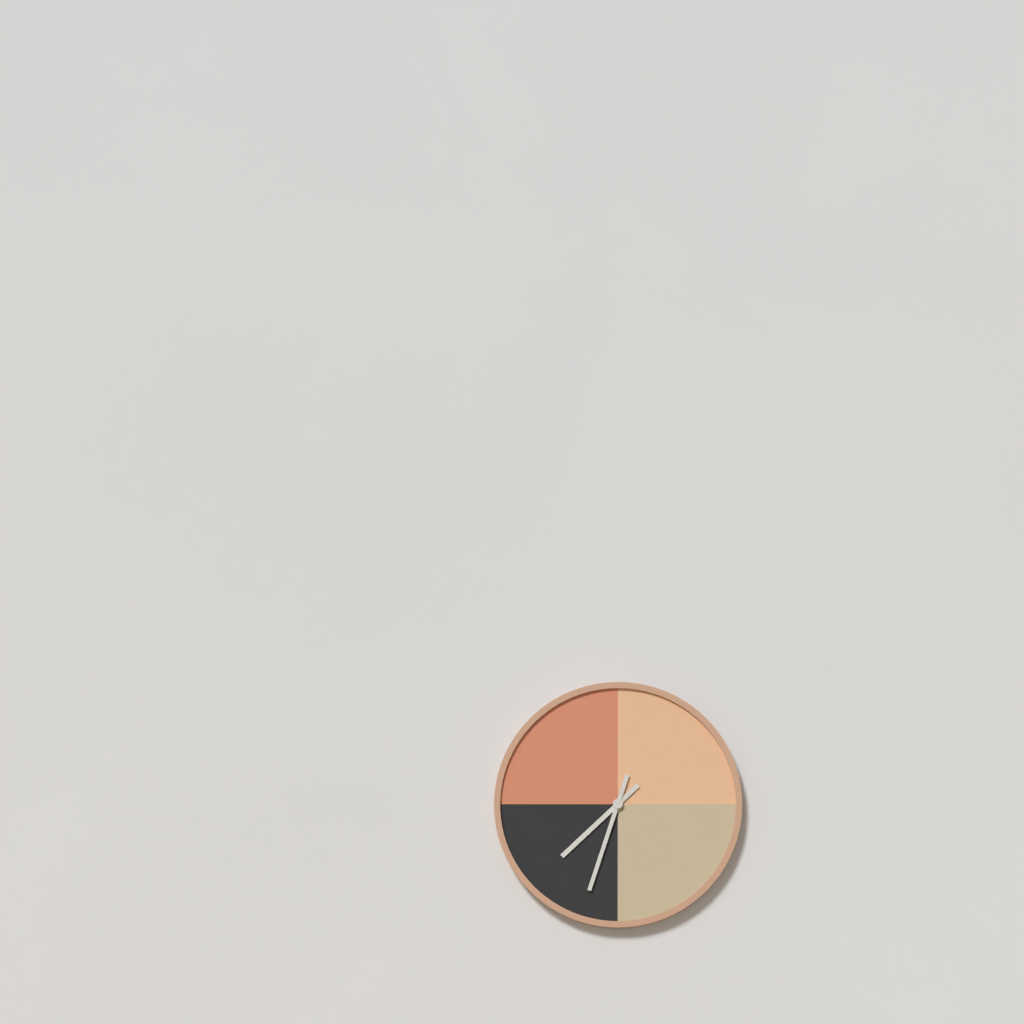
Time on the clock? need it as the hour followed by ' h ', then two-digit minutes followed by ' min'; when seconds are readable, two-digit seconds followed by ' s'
7 h 33 min
